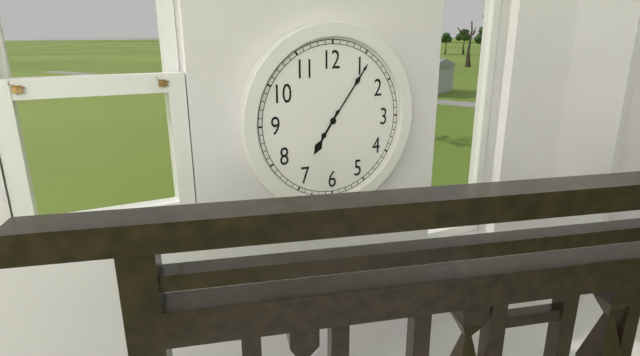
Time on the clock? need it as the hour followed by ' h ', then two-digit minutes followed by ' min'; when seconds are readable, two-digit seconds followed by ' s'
7 h 06 min
